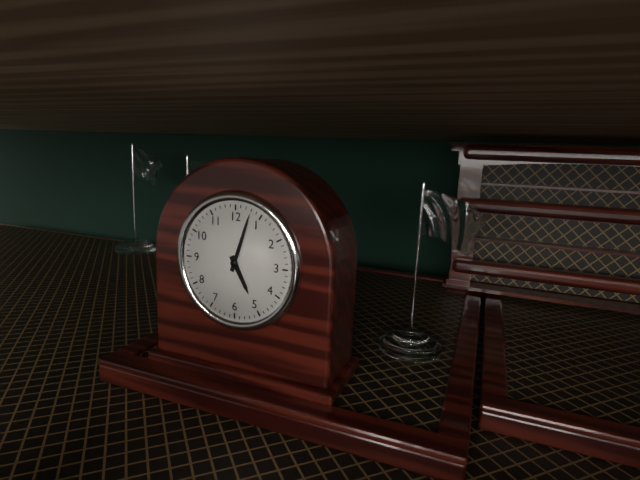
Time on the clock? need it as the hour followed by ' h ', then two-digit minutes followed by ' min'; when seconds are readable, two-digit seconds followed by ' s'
5 h 03 min
